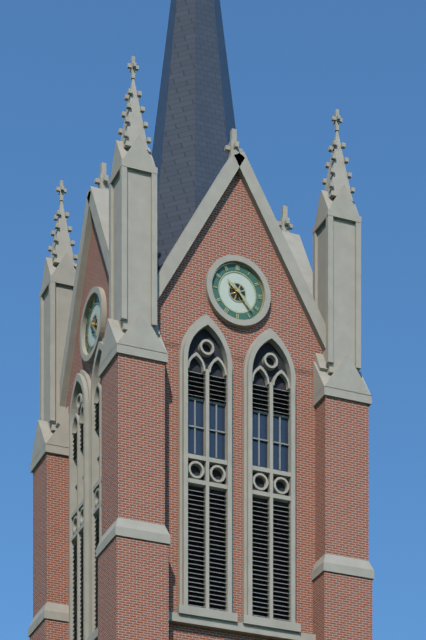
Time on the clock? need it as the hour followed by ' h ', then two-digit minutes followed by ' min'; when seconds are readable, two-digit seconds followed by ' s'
10 h 23 min
